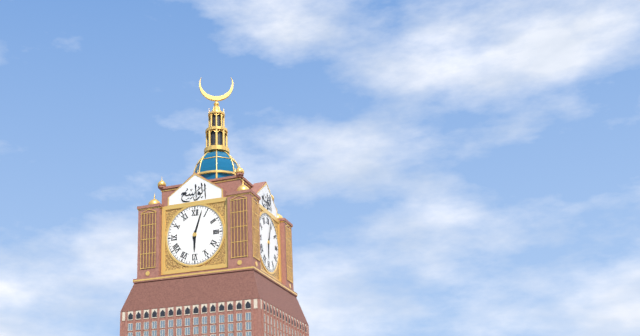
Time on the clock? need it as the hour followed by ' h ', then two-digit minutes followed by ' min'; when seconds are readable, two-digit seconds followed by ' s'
6 h 03 min
